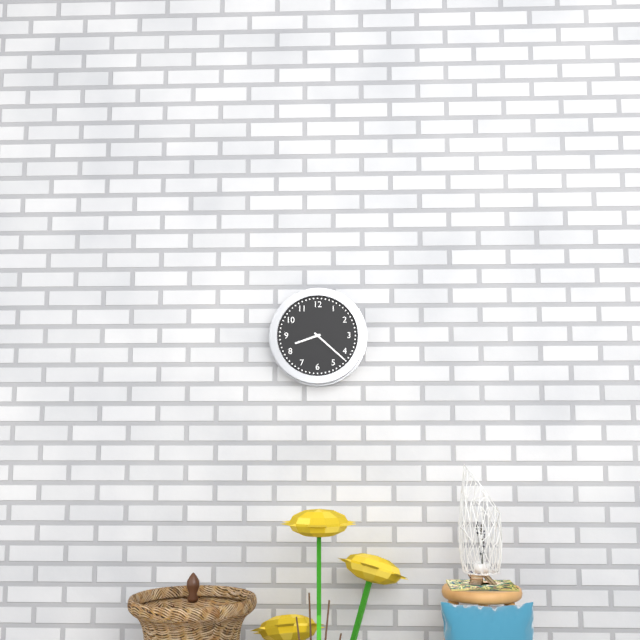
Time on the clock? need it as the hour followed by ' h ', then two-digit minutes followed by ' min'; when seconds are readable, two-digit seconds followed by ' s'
8 h 22 min
